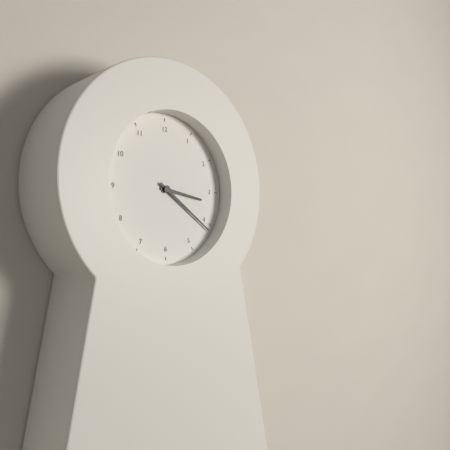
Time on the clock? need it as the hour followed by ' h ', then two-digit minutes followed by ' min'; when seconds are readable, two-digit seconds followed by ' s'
3 h 21 min
